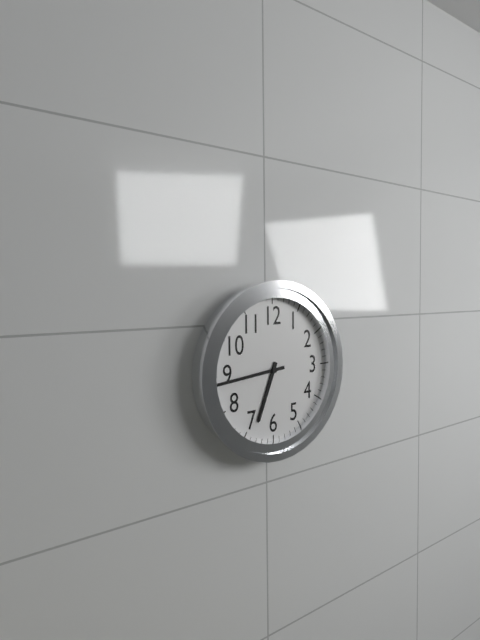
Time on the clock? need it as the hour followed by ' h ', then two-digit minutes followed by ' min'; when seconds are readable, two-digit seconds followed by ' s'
6 h 44 min
